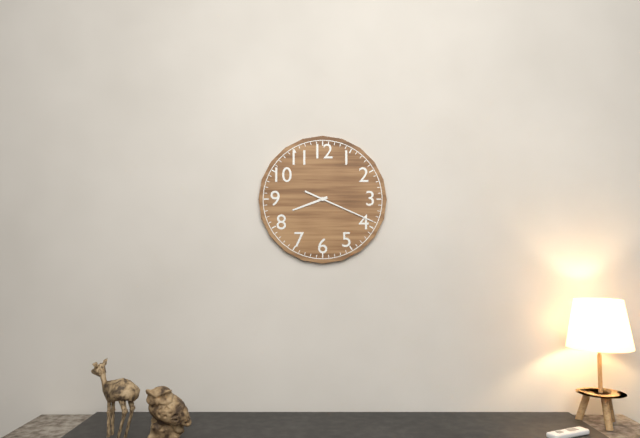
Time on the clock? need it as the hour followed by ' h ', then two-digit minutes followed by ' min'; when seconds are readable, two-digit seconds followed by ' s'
8 h 19 min
